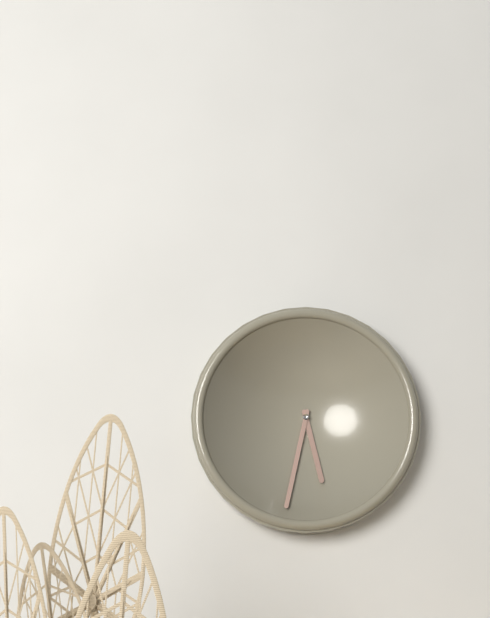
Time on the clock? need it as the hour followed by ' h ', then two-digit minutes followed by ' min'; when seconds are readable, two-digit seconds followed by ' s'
5 h 32 min
